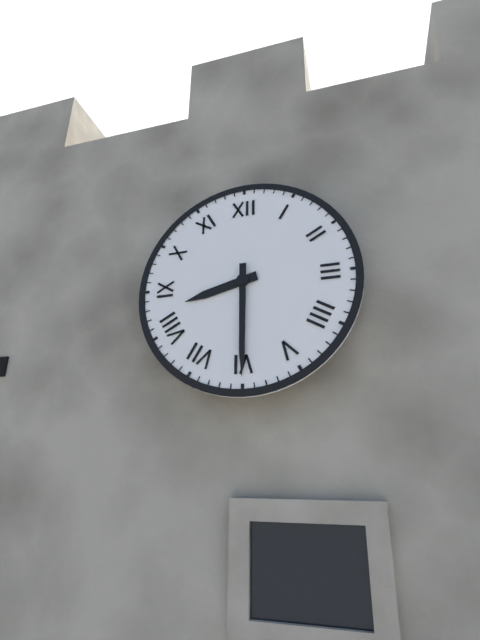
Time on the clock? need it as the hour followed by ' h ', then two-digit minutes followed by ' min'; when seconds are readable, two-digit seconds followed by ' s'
8 h 30 min
